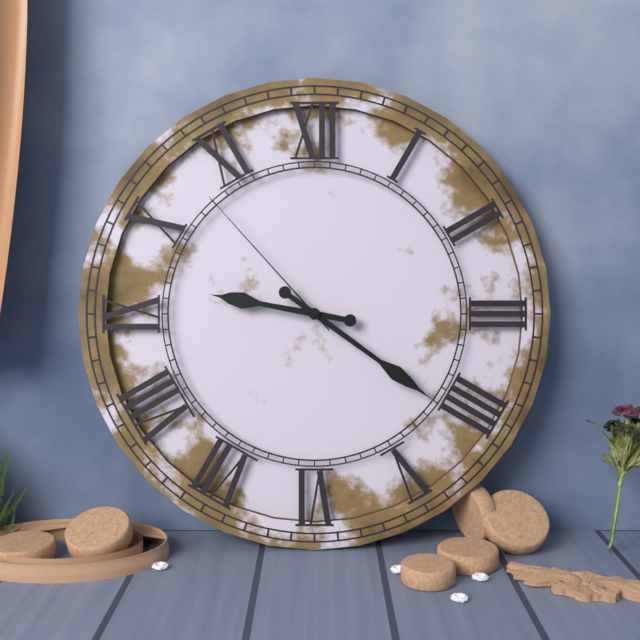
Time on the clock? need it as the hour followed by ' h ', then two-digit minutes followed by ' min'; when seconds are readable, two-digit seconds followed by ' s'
9 h 21 min 53 s
